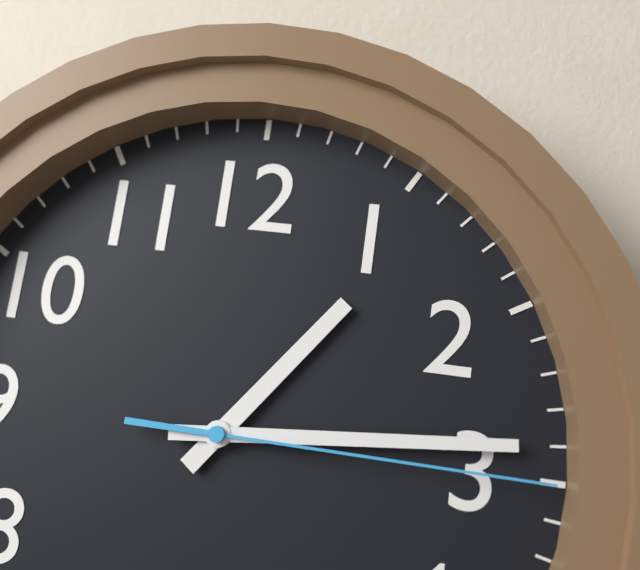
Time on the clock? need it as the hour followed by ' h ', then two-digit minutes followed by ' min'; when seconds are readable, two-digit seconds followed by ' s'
1 h 14 min 15 s
